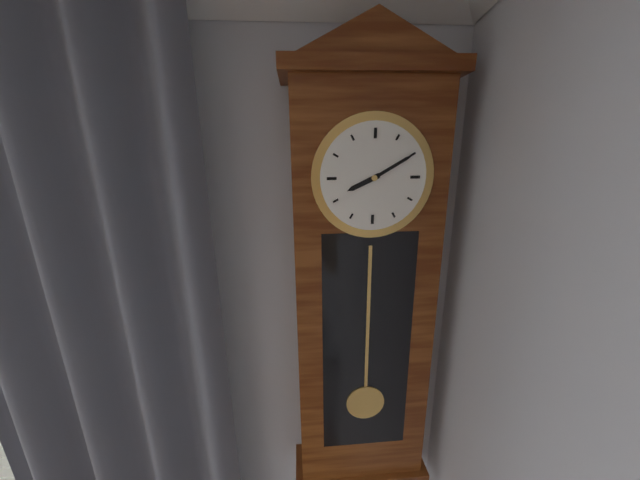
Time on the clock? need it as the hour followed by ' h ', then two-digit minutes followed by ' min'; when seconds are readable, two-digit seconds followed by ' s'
8 h 10 min
